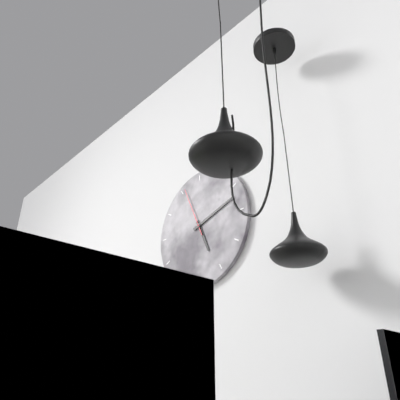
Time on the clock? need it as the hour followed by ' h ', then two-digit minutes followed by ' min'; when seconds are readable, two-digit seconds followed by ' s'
5 h 12 min
